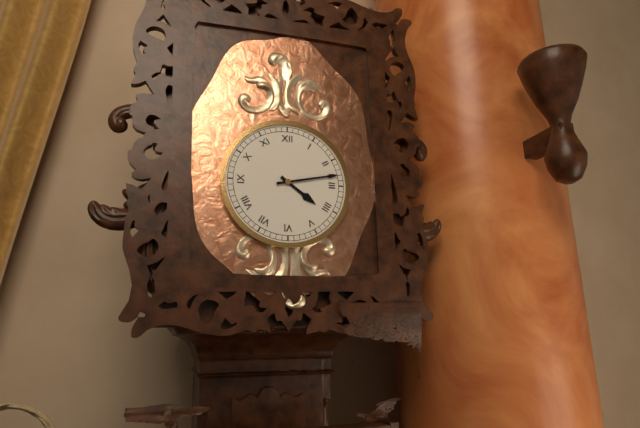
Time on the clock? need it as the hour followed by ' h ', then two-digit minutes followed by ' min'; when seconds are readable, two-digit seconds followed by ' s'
4 h 13 min
